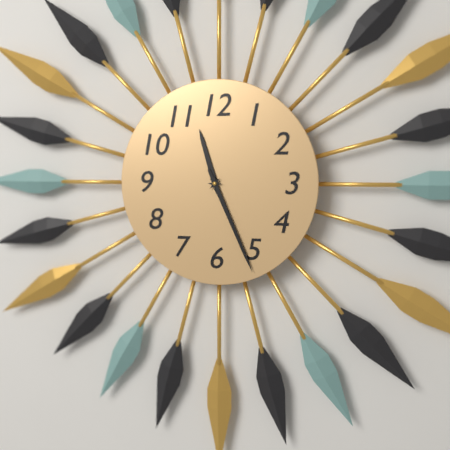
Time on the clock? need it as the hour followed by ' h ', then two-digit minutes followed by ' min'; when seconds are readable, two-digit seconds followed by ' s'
11 h 26 min
